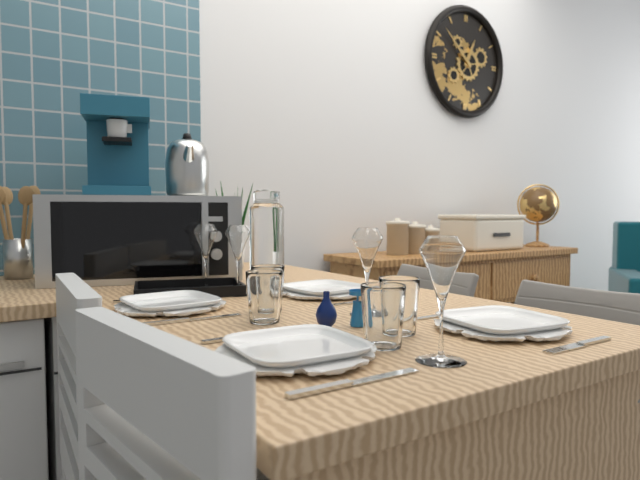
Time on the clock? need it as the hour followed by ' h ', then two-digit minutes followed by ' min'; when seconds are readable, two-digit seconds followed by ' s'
12 h 52 min
